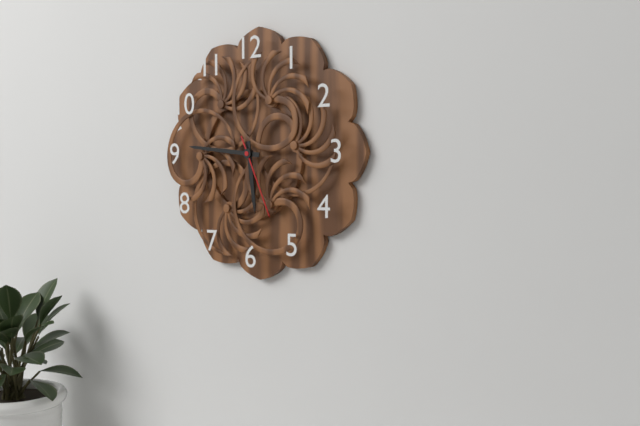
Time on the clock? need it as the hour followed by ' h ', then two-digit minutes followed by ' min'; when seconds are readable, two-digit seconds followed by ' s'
5 h 46 min 26 s
